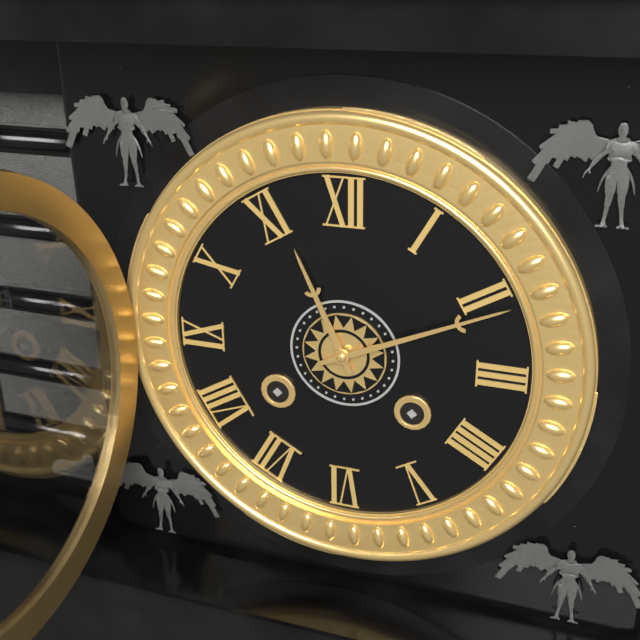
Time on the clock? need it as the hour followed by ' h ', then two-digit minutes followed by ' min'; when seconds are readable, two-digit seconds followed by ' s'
11 h 11 min
